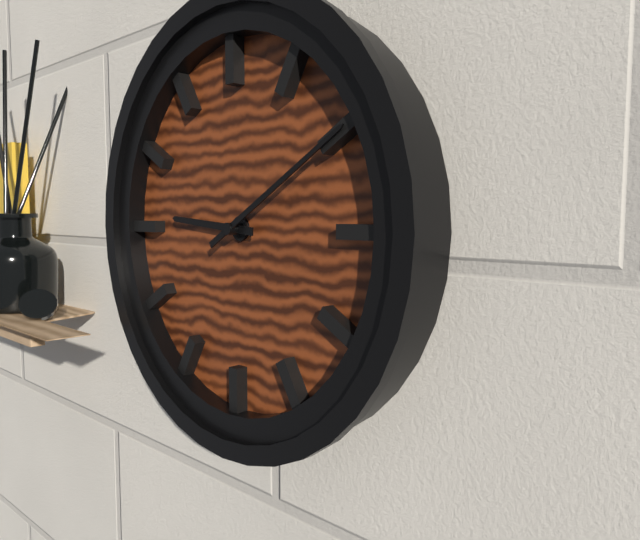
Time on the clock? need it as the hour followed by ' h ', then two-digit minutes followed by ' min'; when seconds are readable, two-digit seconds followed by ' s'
9 h 10 min
